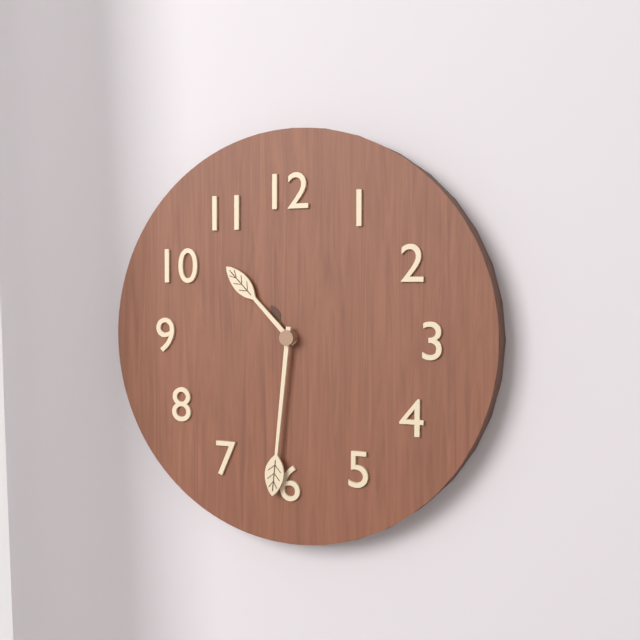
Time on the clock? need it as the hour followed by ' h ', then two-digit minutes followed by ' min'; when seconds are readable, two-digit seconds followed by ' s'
10 h 31 min
